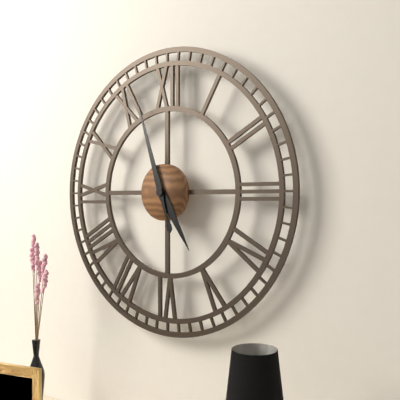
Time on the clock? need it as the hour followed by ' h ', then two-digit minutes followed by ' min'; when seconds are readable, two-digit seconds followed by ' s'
4 h 57 min
